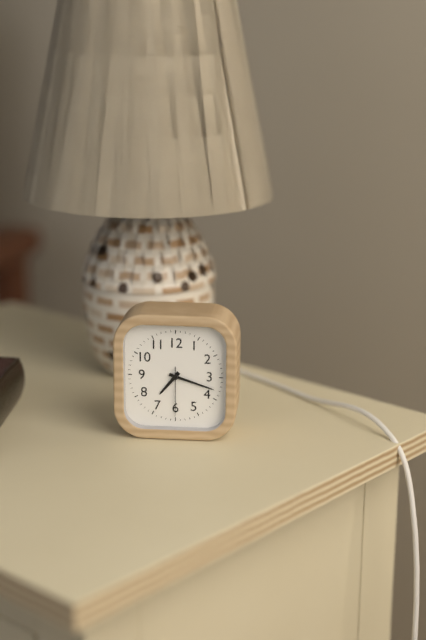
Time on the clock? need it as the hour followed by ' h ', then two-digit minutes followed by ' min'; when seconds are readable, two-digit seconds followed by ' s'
7 h 18 min 30 s
